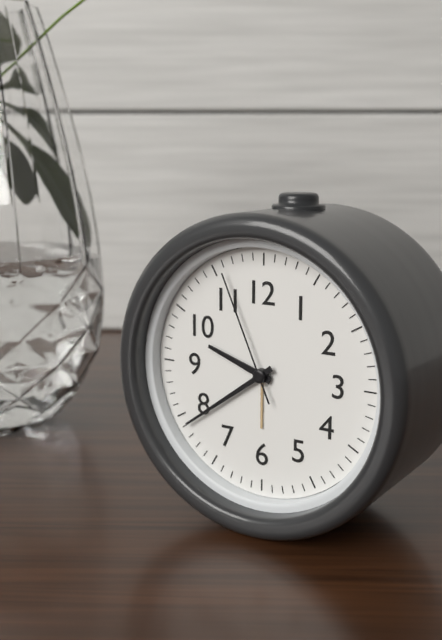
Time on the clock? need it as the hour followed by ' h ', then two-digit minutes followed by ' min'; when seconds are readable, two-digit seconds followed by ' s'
9 h 39 min 56 s
